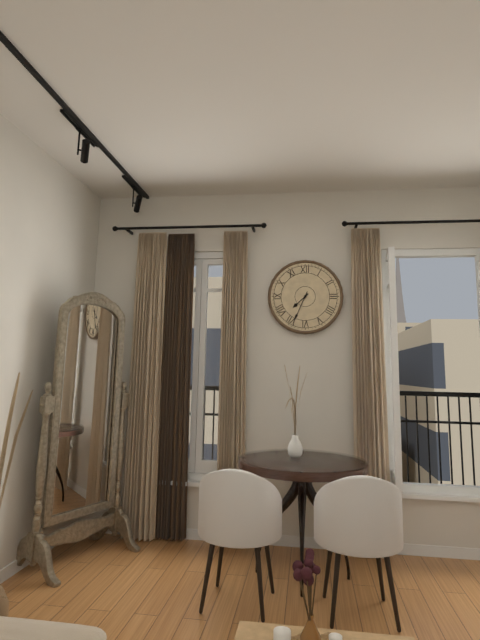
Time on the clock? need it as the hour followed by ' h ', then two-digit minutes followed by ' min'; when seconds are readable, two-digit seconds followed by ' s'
7 h 34 min
